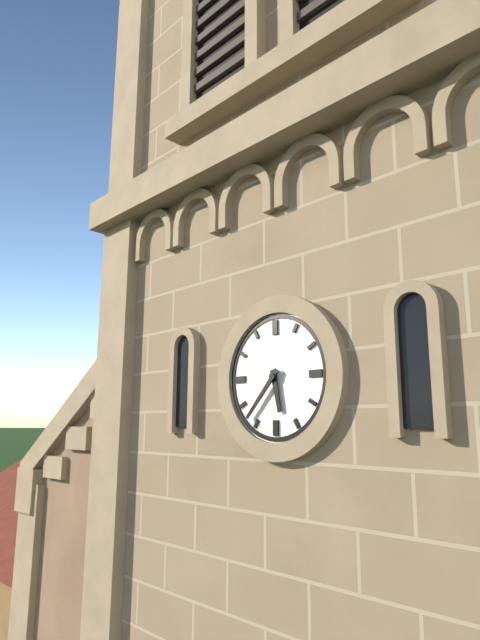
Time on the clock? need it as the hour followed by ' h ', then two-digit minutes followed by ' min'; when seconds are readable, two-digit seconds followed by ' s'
5 h 37 min
